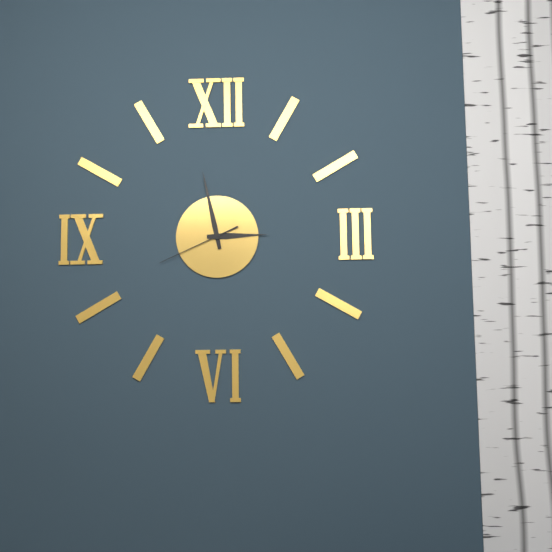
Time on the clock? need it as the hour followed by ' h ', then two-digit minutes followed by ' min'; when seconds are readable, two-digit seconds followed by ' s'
2 h 58 min 41 s
